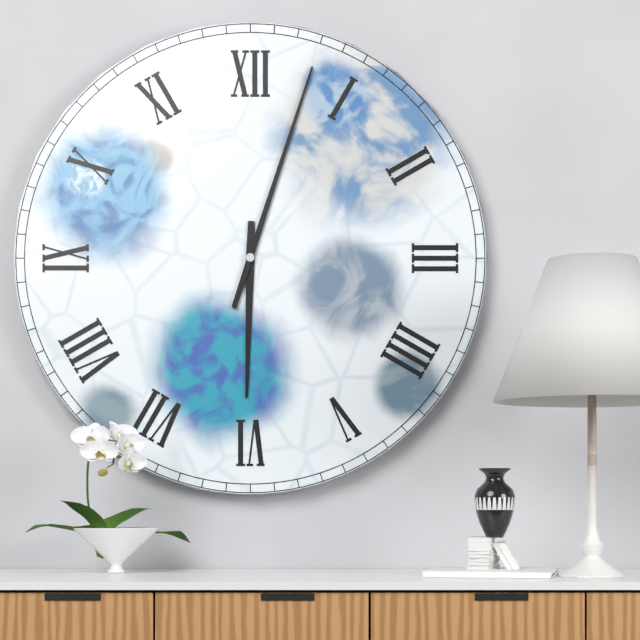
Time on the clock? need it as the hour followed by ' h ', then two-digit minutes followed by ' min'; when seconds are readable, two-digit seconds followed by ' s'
6 h 03 min
